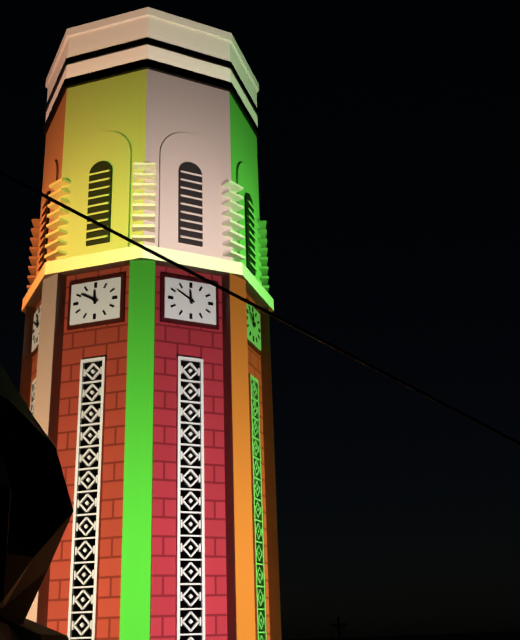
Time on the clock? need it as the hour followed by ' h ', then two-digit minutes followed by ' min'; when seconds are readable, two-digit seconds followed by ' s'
11 h 50 min
